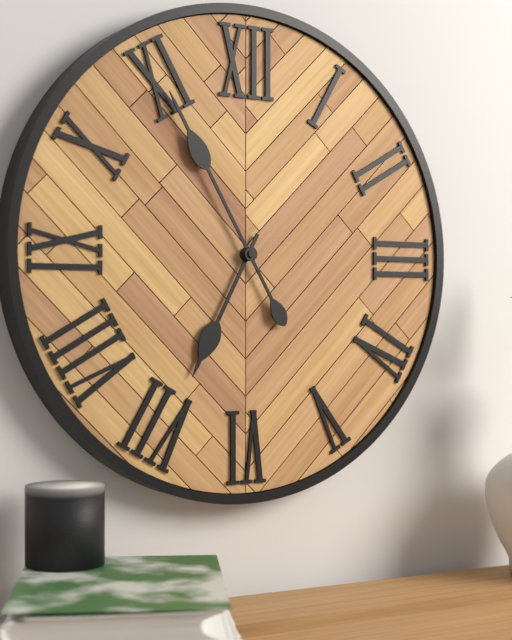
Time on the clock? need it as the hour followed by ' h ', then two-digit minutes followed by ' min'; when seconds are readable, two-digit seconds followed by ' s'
6 h 55 min
